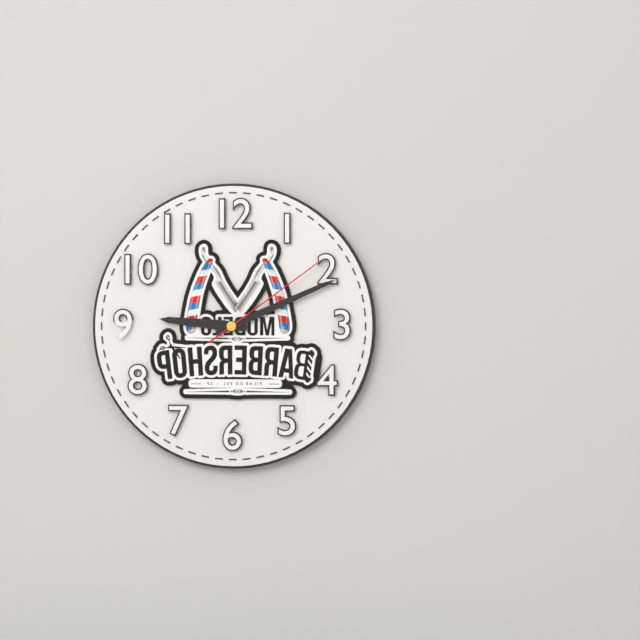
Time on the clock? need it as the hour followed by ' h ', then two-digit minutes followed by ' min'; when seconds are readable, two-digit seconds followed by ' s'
9 h 11 min 09 s
